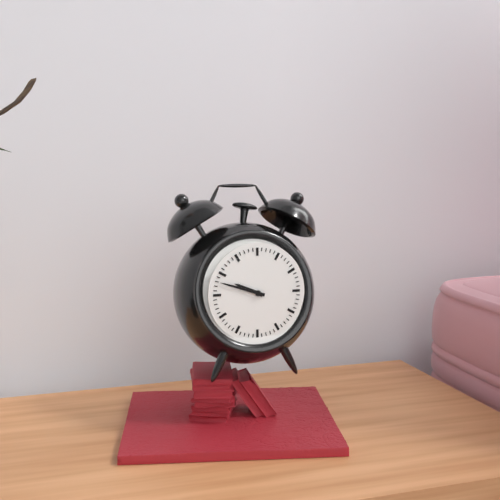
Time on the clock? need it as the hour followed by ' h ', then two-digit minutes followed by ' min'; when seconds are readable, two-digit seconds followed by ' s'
9 h 48 min
